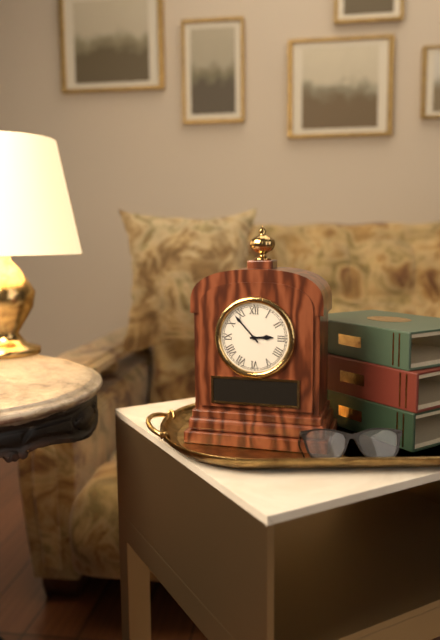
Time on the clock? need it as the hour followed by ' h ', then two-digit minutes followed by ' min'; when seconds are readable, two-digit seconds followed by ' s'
2 h 53 min
